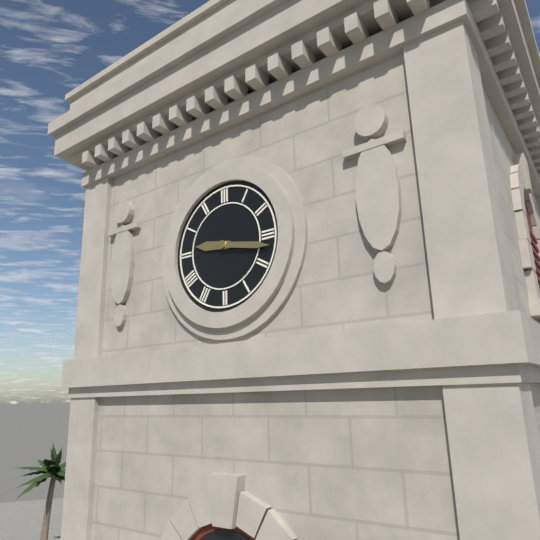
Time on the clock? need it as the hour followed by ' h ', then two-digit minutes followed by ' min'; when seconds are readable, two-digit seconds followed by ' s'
9 h 17 min
